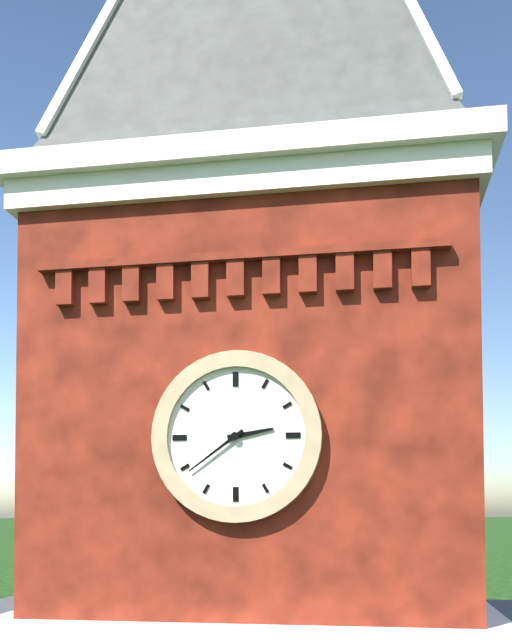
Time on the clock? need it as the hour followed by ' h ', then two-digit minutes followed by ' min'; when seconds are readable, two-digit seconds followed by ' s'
2 h 39 min
